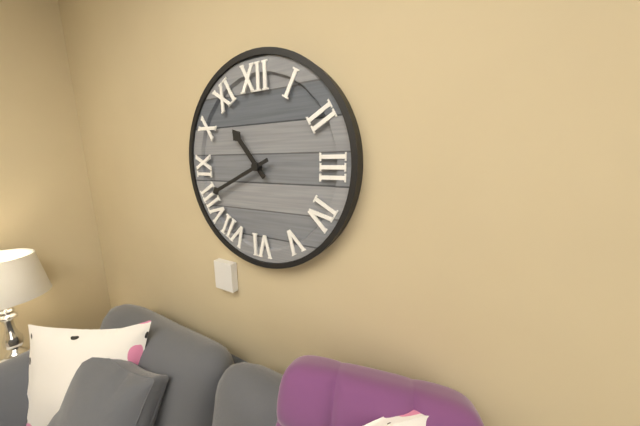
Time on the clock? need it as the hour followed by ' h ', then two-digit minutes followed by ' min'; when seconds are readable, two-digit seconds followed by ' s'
10 h 41 min
